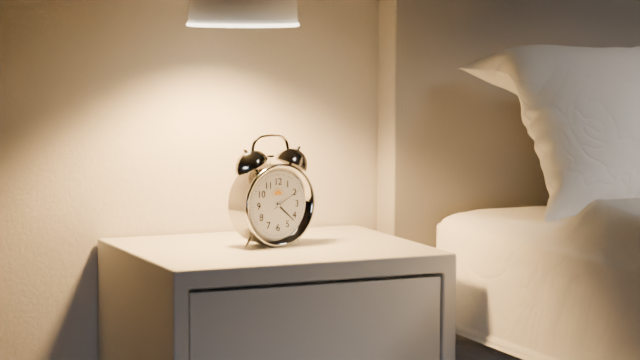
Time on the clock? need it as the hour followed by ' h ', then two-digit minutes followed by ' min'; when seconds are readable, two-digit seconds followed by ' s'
4 h 22 min
